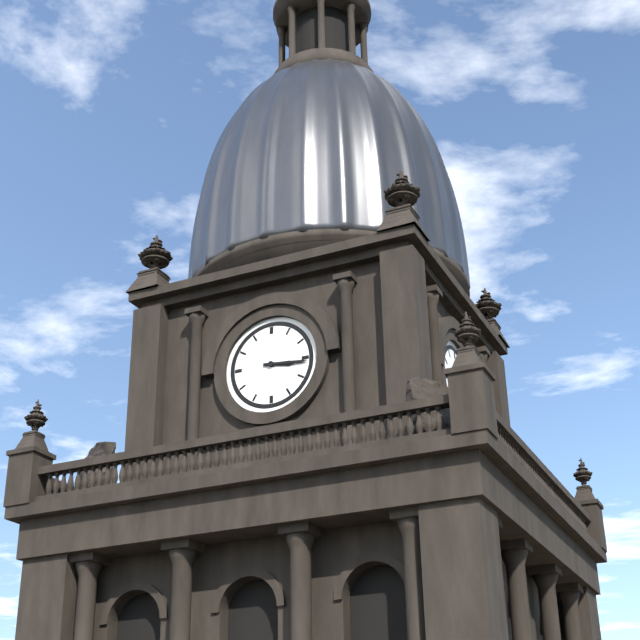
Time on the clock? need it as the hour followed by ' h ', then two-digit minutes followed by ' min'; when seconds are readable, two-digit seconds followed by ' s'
3 h 16 min
